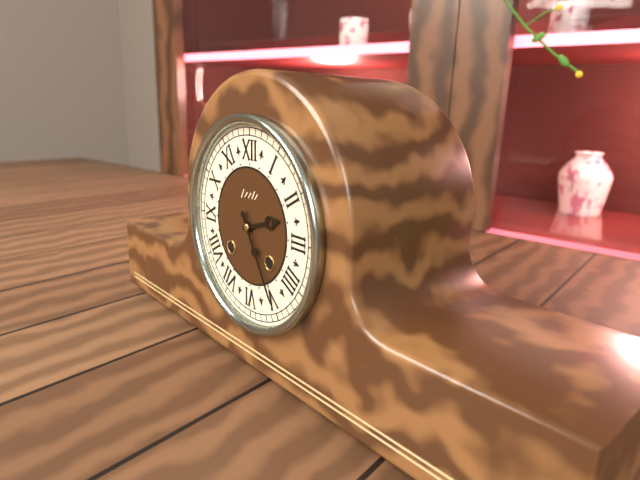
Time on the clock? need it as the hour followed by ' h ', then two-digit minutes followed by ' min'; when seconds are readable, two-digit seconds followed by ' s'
2 h 25 min
